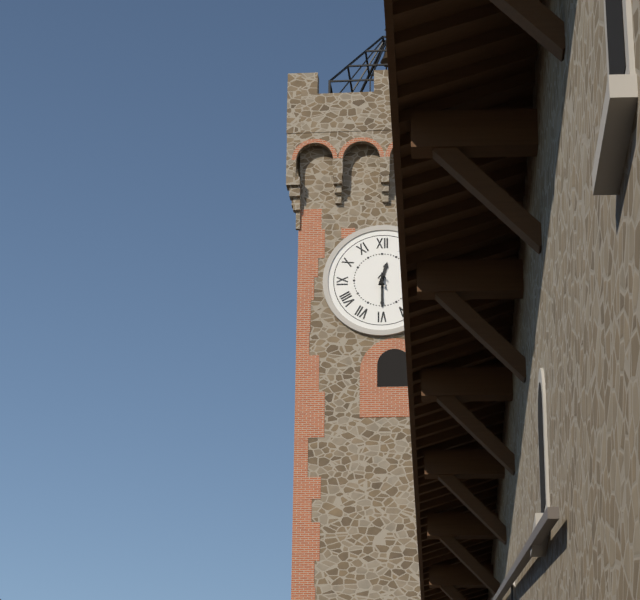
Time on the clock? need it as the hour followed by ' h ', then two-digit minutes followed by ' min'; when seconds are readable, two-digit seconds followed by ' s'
12 h 30 min
